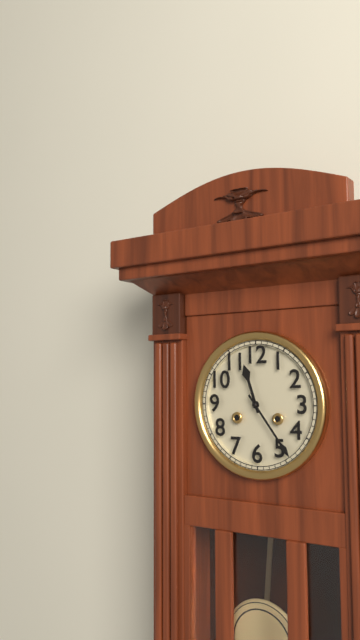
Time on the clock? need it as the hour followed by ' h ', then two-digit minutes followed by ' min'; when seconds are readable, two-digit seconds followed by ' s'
11 h 24 min
